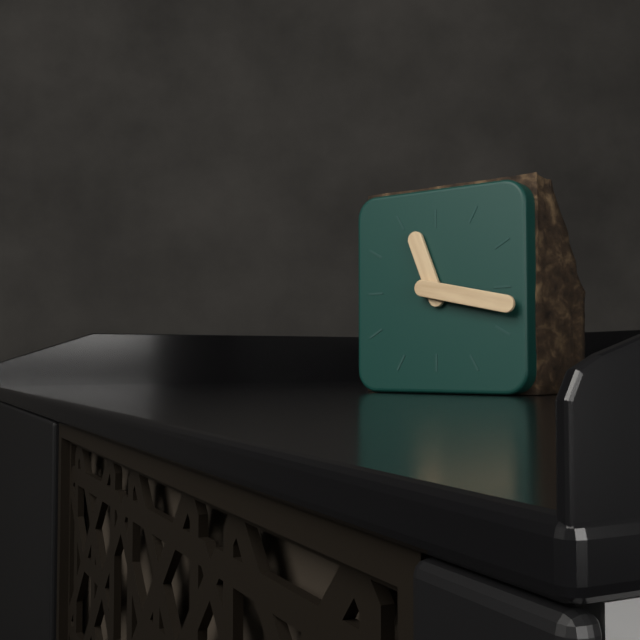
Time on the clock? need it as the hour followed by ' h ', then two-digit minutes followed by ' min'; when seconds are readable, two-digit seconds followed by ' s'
11 h 17 min
